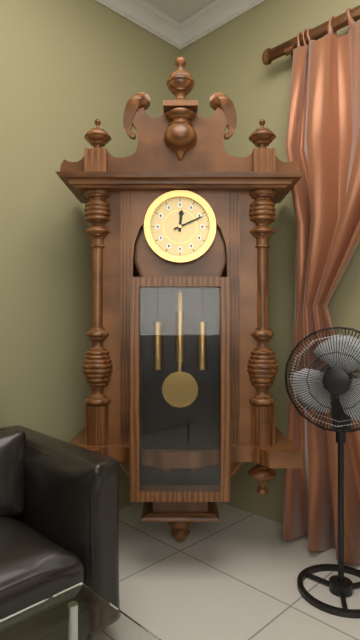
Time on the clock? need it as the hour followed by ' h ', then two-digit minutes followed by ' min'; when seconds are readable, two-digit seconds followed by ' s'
12 h 11 min
